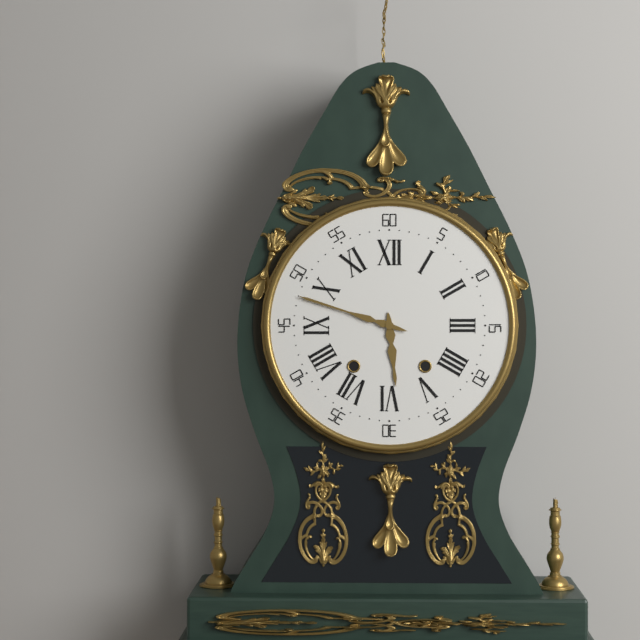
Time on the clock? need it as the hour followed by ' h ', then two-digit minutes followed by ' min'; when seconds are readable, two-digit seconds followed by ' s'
5 h 48 min
